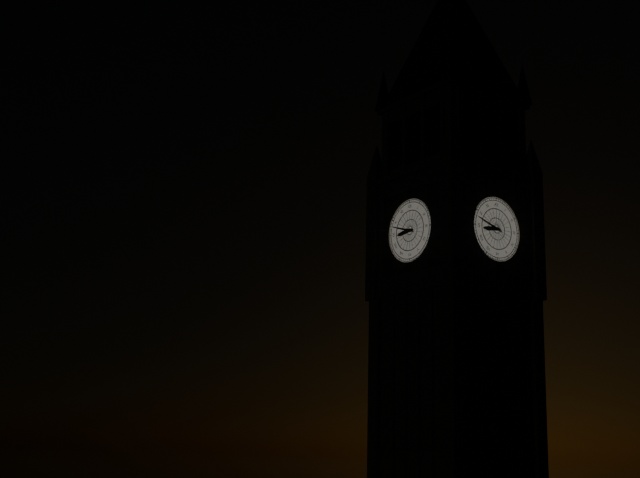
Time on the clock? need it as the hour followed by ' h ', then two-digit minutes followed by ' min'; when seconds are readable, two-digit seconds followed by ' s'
8 h 48 min
